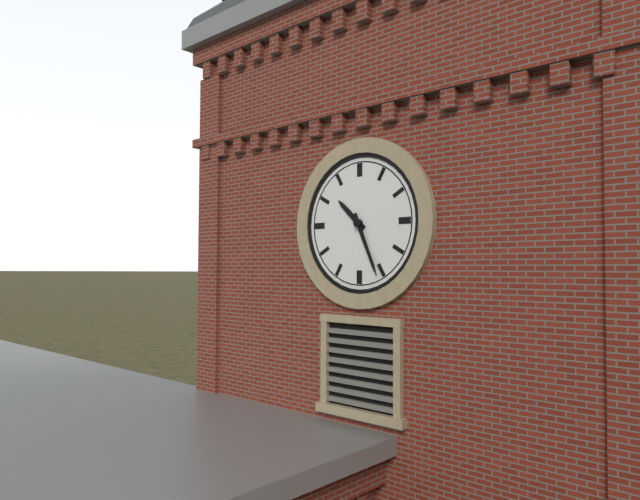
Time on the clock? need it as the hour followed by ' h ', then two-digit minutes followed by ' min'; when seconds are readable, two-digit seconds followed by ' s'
10 h 26 min
